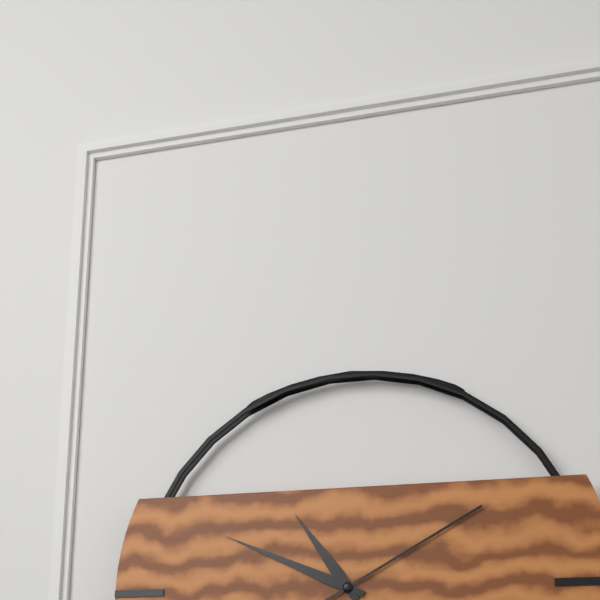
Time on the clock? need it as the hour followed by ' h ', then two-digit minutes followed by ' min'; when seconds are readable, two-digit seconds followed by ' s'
10 h 49 min 10 s
